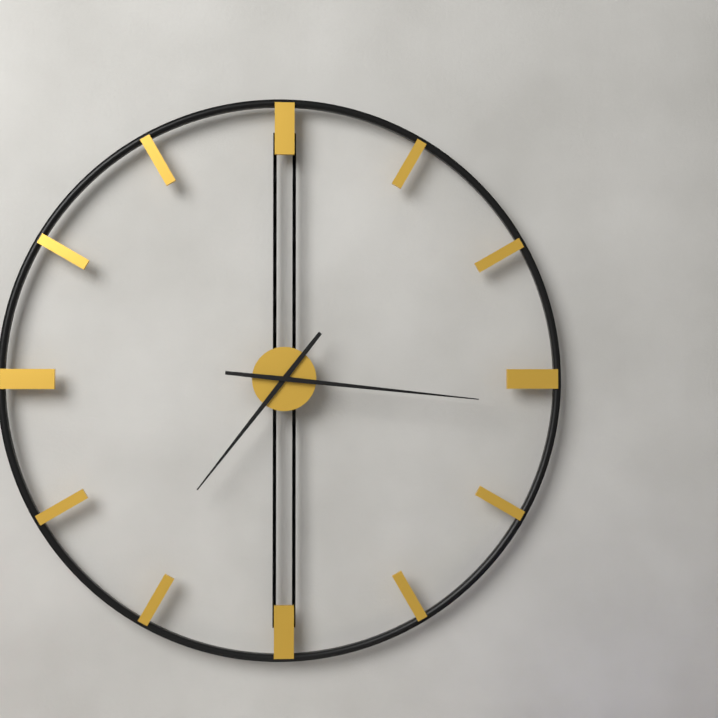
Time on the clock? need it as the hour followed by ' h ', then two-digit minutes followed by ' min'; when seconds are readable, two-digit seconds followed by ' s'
7 h 16 min
